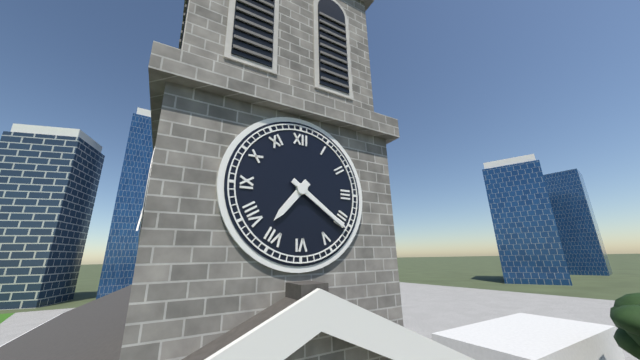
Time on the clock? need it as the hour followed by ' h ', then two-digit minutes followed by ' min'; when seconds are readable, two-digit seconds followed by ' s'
7 h 21 min
